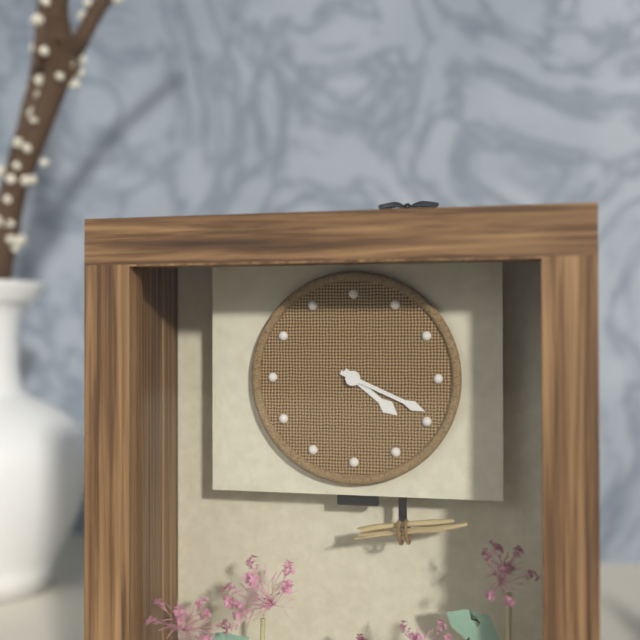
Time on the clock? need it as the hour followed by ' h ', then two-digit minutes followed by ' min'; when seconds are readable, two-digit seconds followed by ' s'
4 h 19 min
